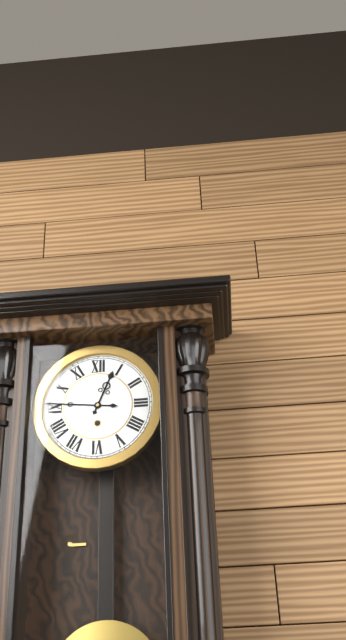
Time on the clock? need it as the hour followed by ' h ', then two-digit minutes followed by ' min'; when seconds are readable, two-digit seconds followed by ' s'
12 h 46 min
